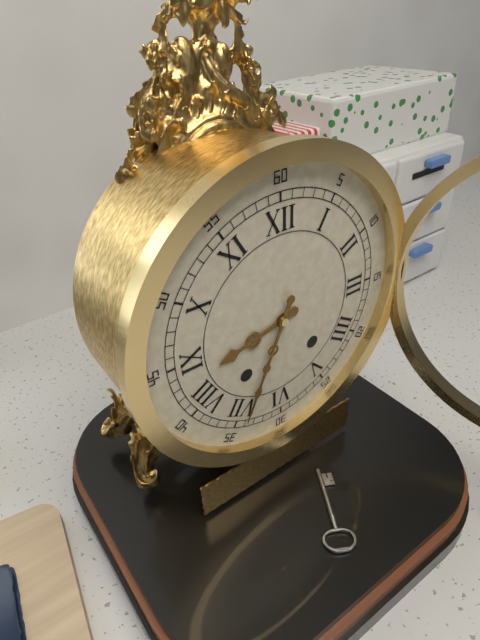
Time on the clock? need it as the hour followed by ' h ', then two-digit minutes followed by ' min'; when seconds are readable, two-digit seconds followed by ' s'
8 h 34 min
